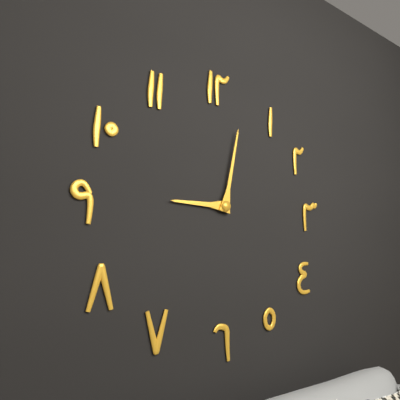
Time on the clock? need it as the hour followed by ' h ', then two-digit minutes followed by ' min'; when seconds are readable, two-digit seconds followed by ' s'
9 h 02 min
